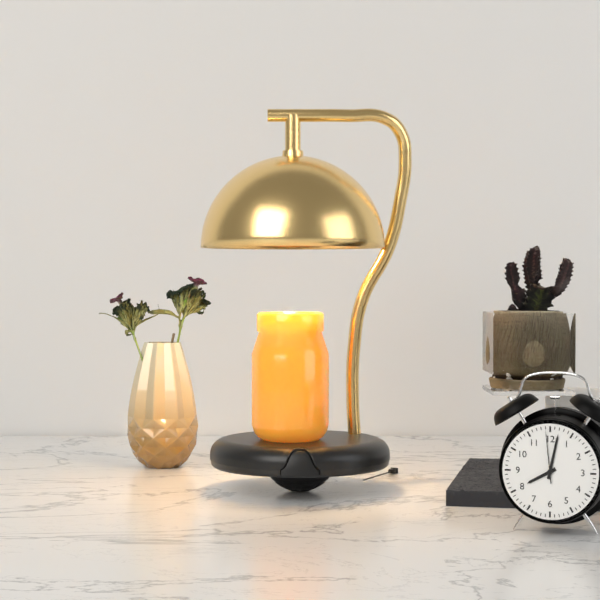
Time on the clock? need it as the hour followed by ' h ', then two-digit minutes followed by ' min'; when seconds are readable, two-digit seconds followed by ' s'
8 h 02 min 59 s
